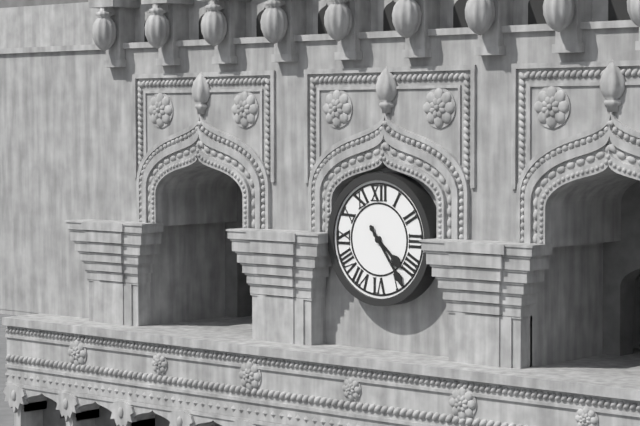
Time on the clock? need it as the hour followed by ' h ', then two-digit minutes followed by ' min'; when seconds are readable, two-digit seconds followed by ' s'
4 h 24 min
